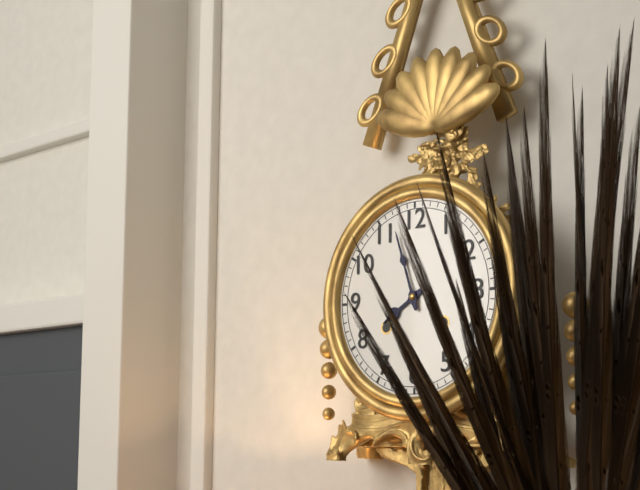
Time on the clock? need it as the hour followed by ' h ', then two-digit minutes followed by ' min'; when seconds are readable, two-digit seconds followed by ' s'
7 h 57 min
